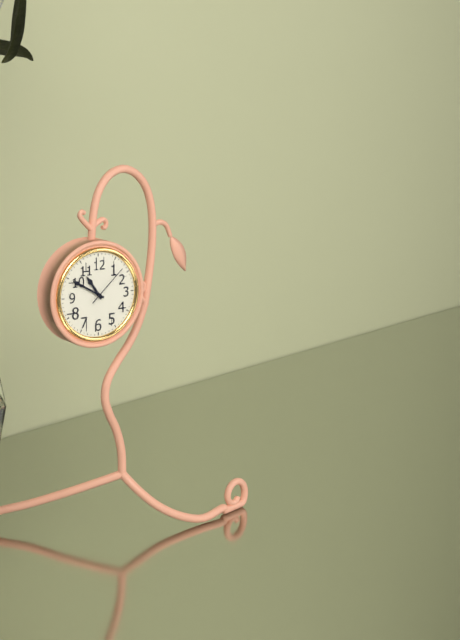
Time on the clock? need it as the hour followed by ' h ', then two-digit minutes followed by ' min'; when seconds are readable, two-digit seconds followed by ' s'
10 h 50 min
